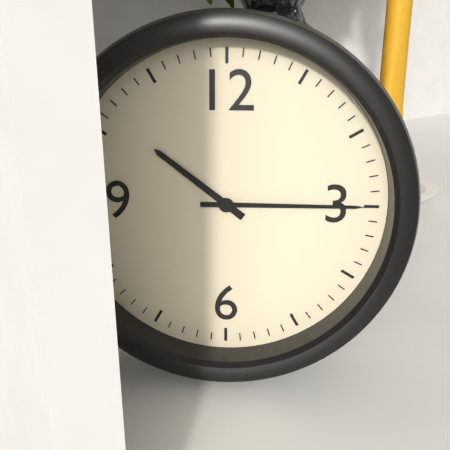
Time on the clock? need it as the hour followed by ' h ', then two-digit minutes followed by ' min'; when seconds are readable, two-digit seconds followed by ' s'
10 h 15 min
